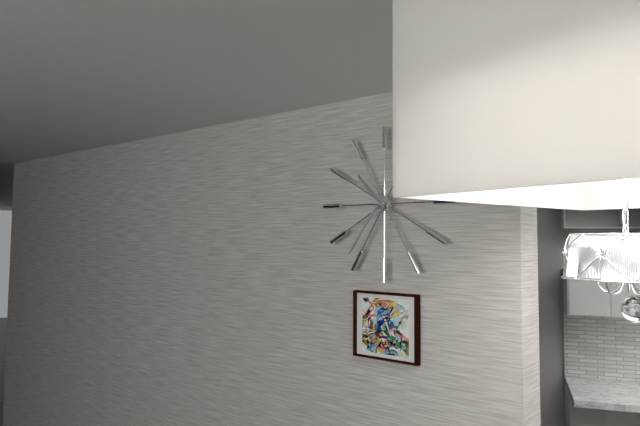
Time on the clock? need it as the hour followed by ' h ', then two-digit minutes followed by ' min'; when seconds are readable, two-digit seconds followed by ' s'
10 h 36 min
